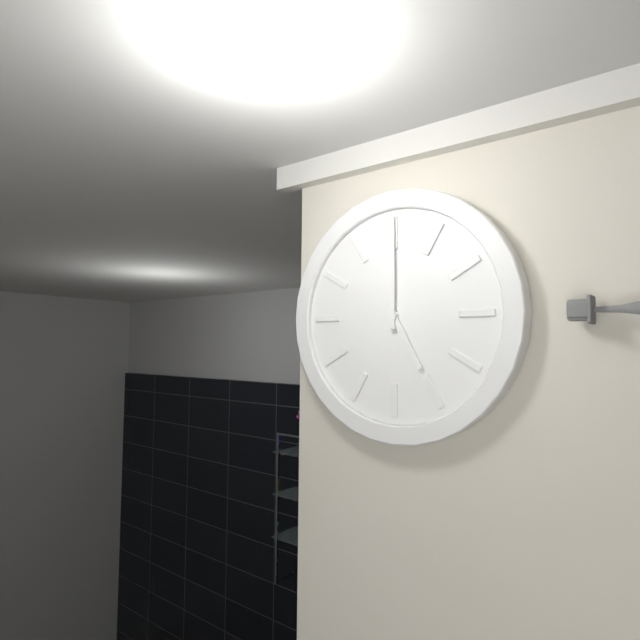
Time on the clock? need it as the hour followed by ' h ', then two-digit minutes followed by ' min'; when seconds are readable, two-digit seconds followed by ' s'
5 h 00 min
